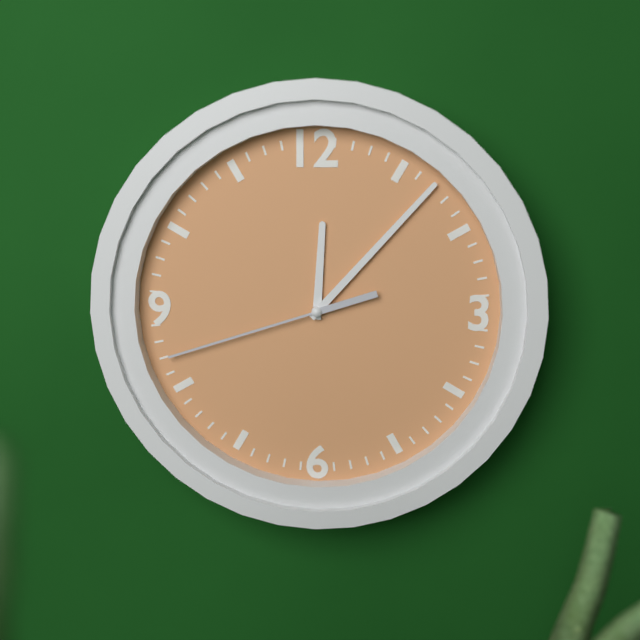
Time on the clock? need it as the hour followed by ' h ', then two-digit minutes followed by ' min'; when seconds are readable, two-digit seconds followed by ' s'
12 h 07 min 42 s
